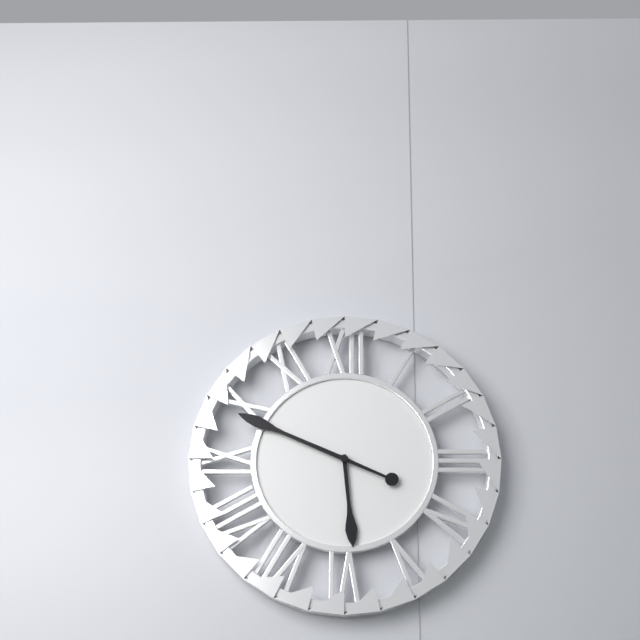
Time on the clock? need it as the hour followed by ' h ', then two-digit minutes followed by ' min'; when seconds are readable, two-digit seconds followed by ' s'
5 h 49 min
